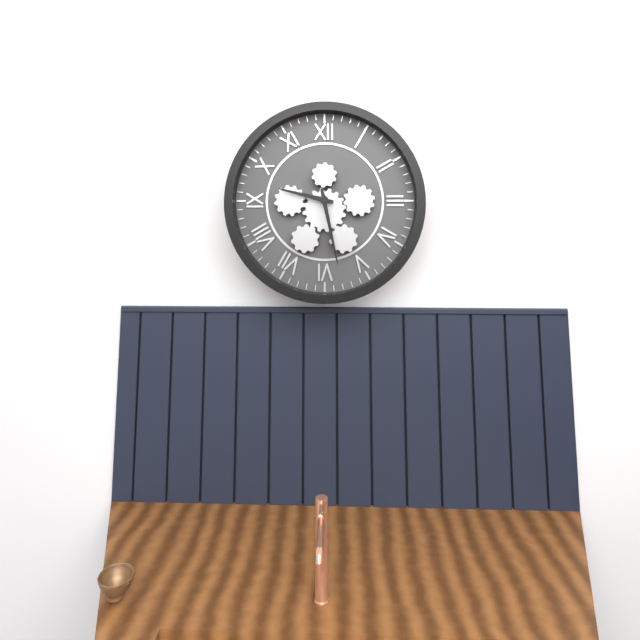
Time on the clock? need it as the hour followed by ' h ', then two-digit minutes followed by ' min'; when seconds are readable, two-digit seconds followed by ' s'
9 h 28 min
